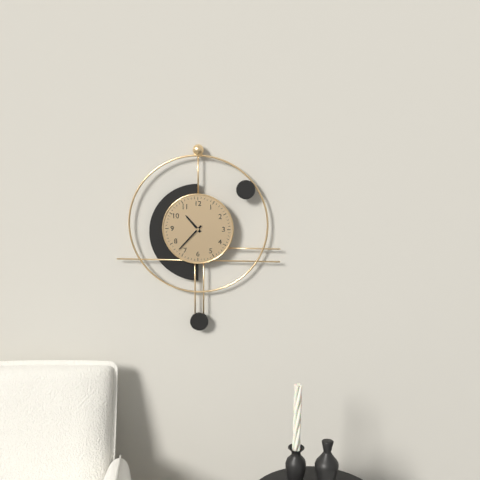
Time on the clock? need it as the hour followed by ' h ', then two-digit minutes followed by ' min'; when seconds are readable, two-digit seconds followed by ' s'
10 h 37 min
